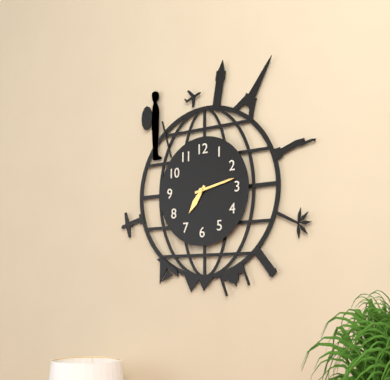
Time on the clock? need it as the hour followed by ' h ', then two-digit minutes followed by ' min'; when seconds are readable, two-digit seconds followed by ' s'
7 h 13 min
